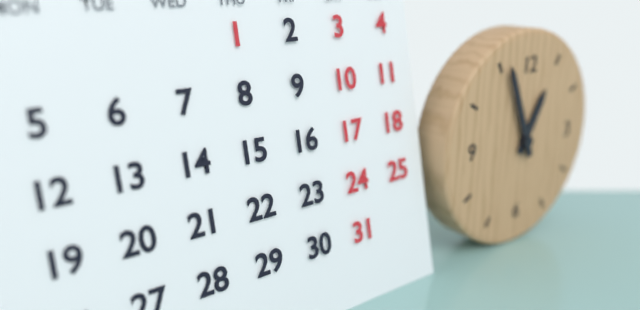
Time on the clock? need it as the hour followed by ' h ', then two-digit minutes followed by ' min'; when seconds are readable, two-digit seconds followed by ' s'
12 h 56 min
